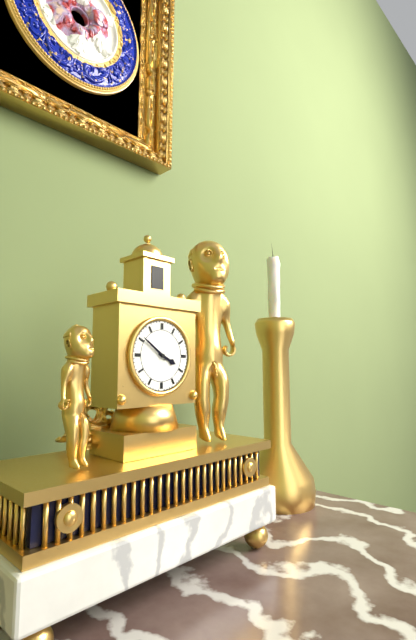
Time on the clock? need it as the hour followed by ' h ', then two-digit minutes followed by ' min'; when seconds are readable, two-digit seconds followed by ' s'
3 h 51 min
